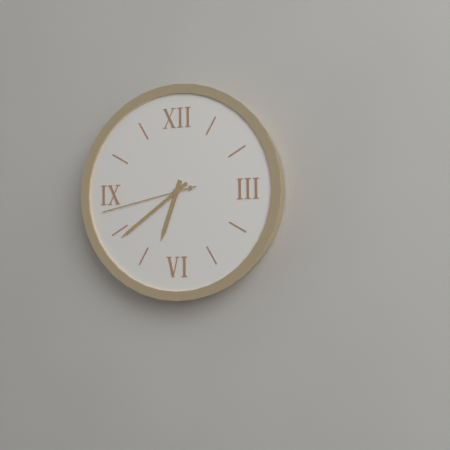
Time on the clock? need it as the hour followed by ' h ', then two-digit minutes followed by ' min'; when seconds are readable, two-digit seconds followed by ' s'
6 h 39 min 43 s
